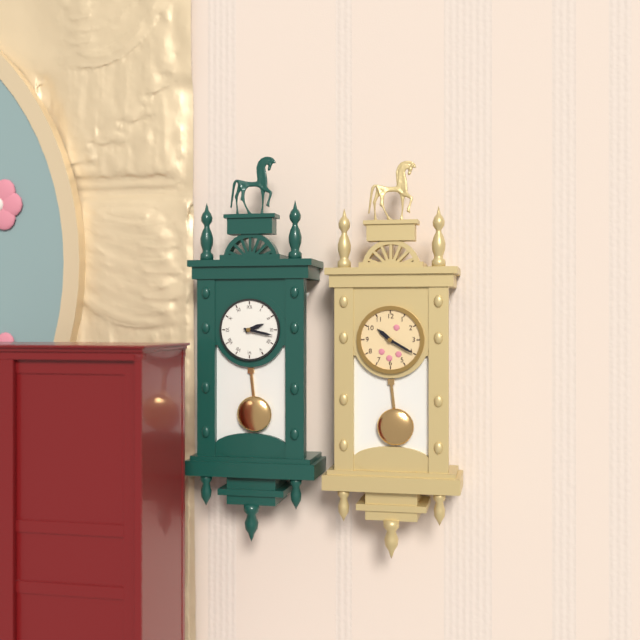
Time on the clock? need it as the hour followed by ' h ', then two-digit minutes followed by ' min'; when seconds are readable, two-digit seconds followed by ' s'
2 h 17 min
